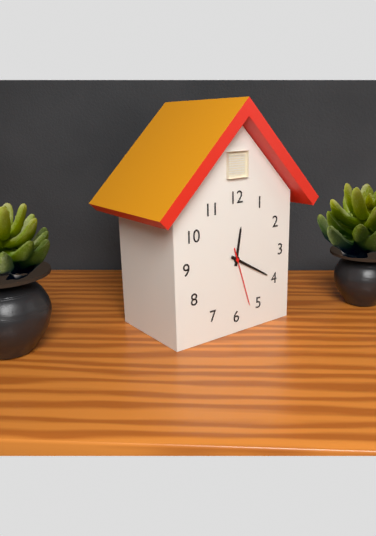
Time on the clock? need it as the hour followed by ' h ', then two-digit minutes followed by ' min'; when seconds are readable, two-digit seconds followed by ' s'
12 h 20 min 27 s
